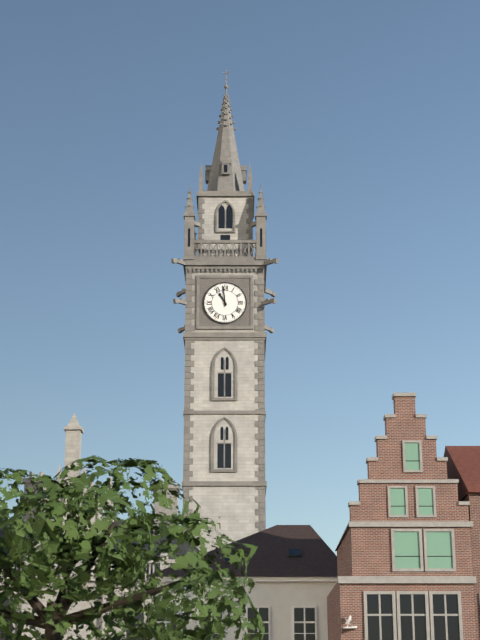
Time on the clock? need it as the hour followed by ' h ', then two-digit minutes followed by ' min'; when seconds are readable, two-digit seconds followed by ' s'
10 h 59 min
